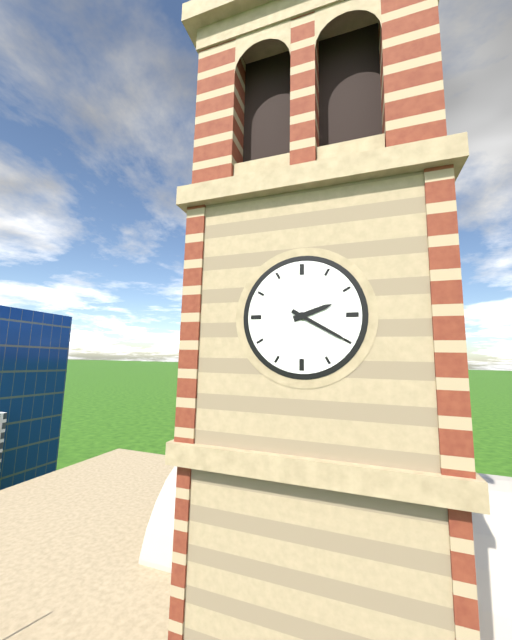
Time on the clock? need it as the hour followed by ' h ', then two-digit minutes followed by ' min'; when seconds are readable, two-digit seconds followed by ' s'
2 h 20 min
